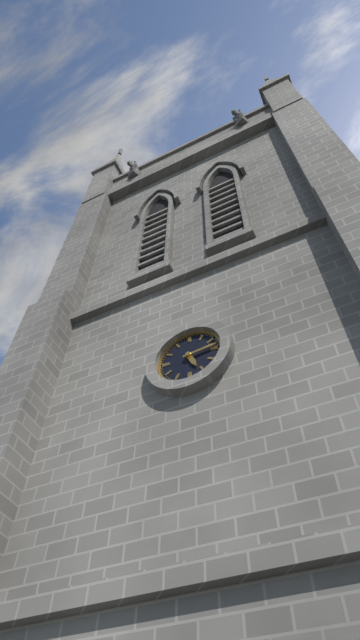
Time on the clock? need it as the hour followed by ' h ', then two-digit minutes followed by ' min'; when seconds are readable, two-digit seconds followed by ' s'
5 h 14 min
